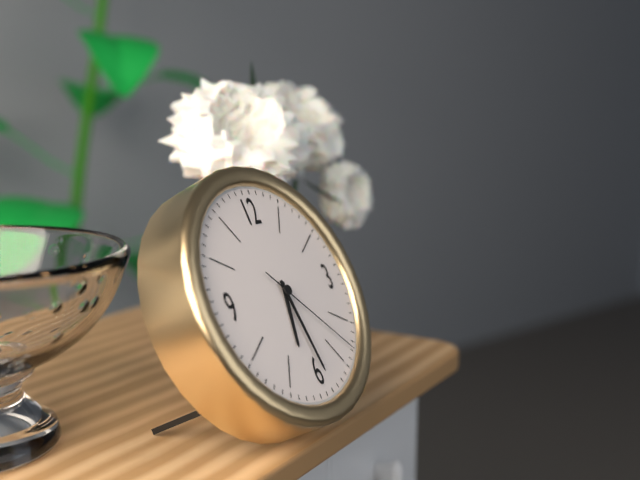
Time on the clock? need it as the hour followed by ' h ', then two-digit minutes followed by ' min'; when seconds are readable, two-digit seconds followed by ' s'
6 h 29 min 23 s
